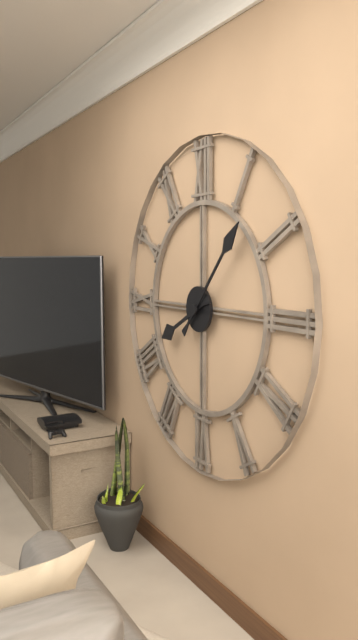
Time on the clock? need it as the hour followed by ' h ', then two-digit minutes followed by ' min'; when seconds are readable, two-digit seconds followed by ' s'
8 h 07 min
